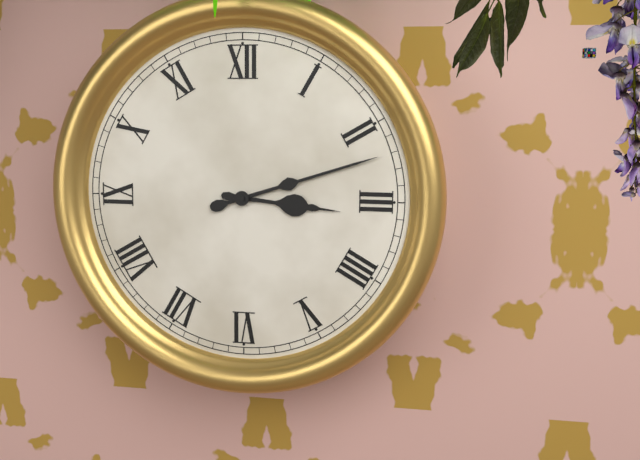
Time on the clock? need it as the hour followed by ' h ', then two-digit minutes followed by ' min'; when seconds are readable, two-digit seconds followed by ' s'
3 h 12 min
